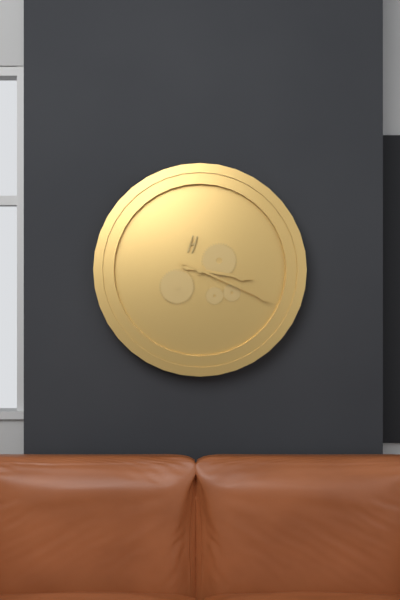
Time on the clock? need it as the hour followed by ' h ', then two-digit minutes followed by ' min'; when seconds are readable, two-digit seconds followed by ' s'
3 h 19 min
